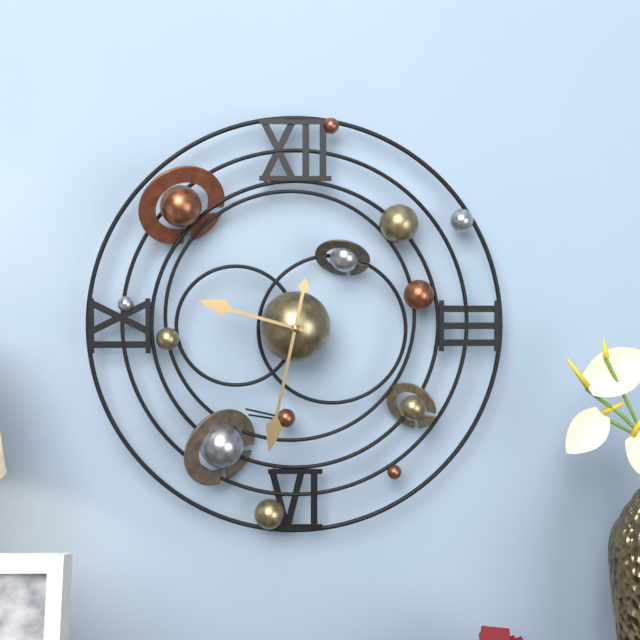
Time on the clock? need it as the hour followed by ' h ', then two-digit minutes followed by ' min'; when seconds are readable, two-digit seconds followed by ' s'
9 h 32 min
